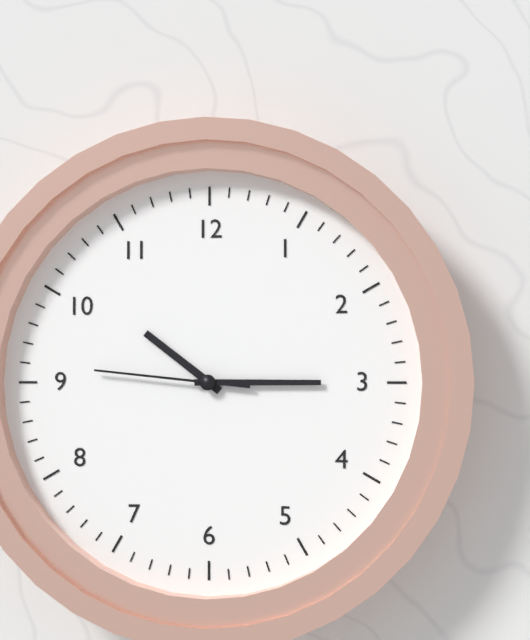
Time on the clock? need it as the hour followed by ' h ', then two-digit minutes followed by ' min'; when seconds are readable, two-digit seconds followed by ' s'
10 h 15 min 46 s
